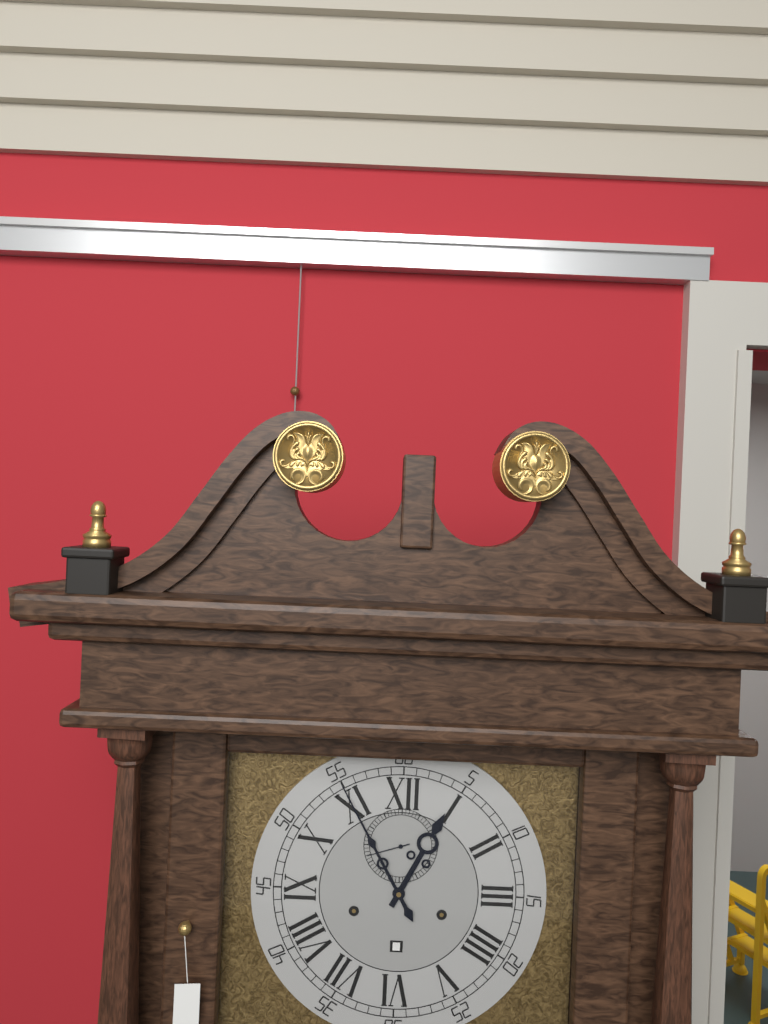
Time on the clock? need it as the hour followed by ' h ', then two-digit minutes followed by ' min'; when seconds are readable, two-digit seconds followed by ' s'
12 h 55 min
